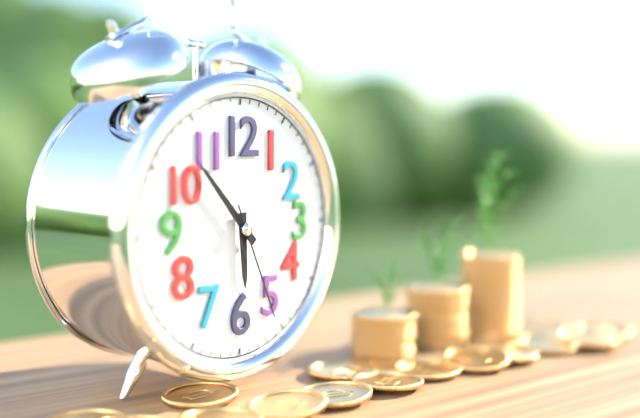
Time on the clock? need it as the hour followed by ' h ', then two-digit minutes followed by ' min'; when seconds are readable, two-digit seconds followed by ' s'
5 h 53 min 26 s
